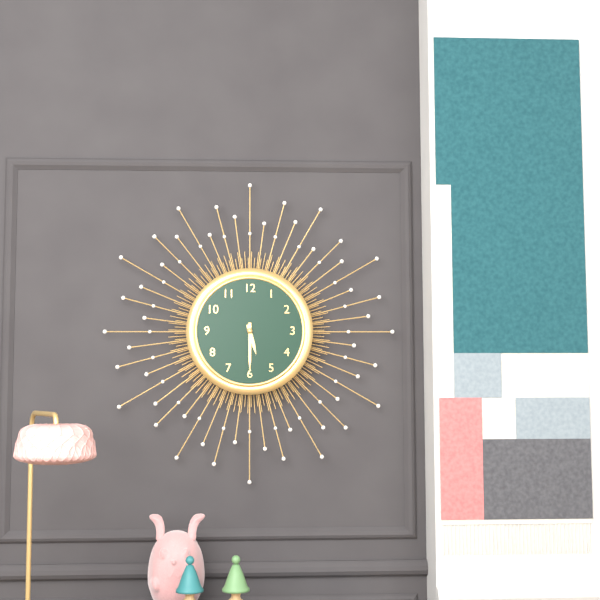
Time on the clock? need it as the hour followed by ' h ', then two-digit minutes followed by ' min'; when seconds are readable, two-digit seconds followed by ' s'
5 h 30 min
